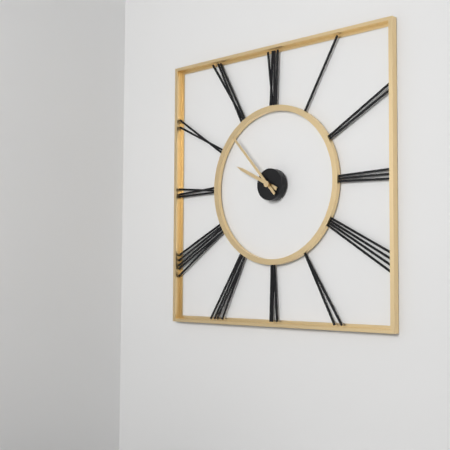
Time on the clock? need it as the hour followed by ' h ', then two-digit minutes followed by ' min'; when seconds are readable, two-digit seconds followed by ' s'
9 h 53 min
